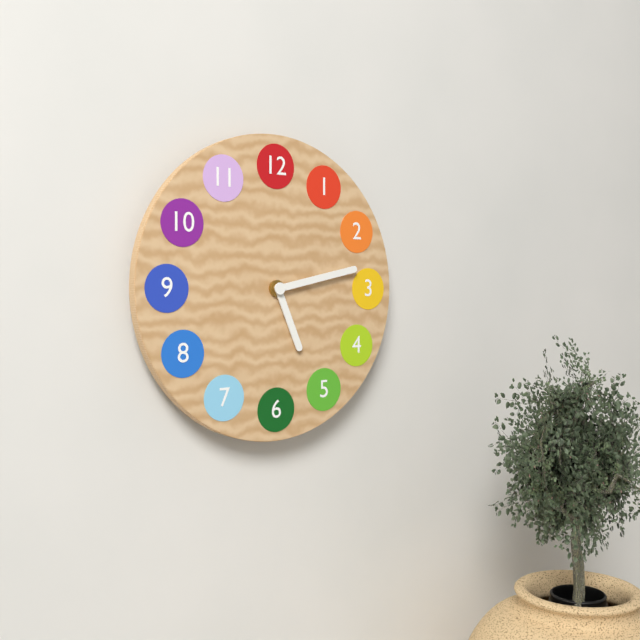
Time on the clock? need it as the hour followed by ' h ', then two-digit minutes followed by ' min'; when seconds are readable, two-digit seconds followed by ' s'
5 h 13 min
